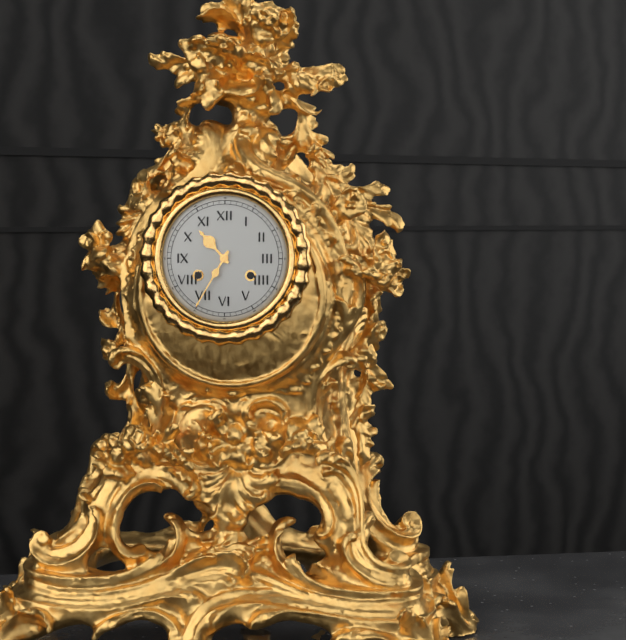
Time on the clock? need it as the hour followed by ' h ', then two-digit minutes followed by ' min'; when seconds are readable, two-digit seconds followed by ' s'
10 h 35 min
